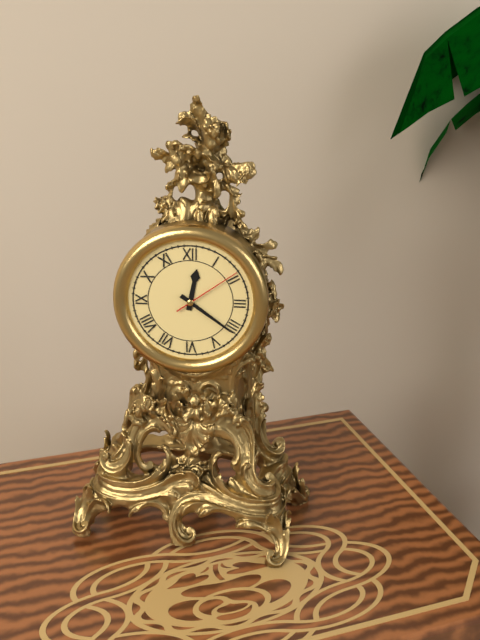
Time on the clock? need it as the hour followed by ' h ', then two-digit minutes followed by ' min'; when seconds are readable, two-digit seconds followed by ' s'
12 h 21 min 09 s
